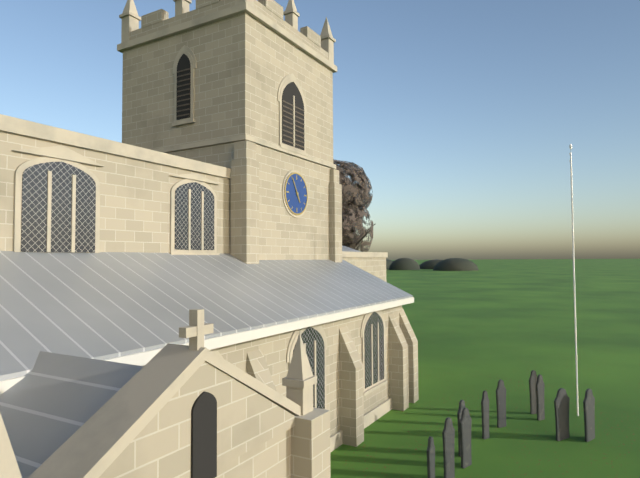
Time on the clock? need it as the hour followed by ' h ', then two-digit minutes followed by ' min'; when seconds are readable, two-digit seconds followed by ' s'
4 h 55 min
